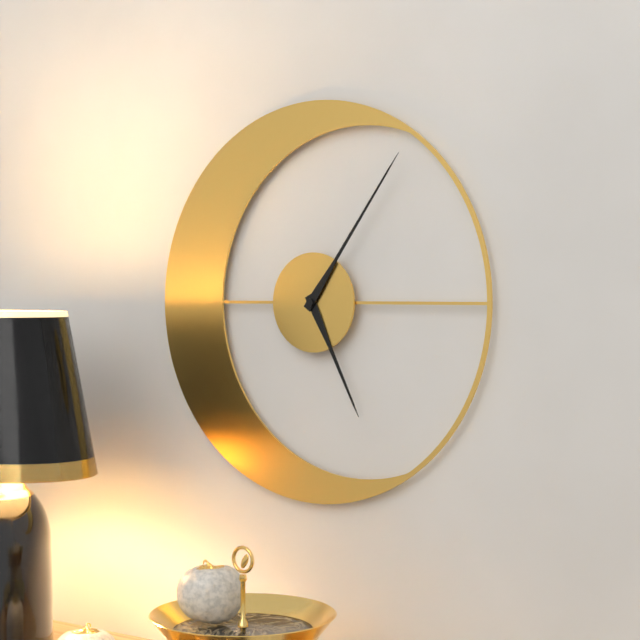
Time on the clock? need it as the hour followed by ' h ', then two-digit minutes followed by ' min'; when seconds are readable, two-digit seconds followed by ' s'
5 h 06 min
